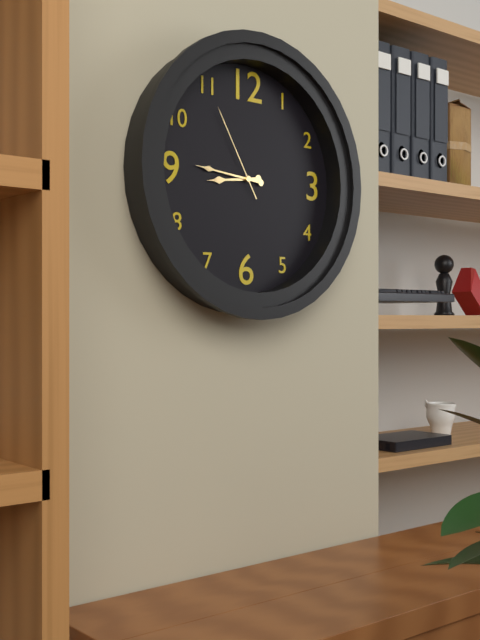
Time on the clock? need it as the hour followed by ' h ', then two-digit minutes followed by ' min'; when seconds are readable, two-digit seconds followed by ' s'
8 h 46 min 55 s
